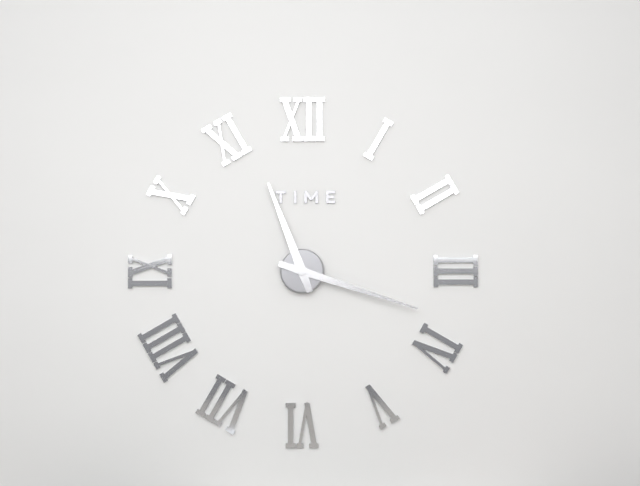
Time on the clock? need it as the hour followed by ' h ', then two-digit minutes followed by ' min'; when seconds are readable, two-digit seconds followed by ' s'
11 h 18 min
